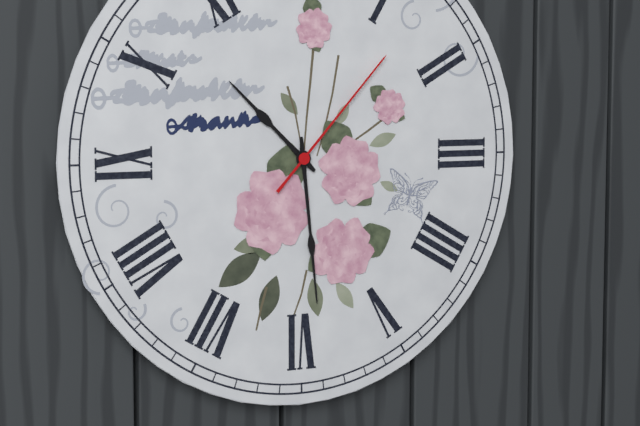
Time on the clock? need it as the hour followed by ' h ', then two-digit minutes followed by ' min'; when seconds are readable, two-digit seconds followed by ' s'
10 h 29 min 07 s
